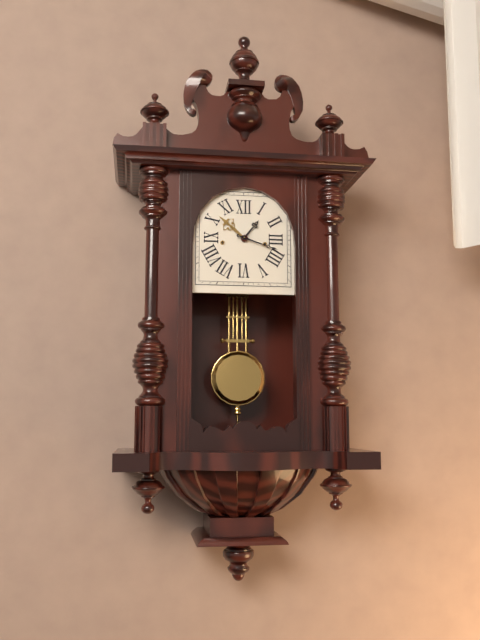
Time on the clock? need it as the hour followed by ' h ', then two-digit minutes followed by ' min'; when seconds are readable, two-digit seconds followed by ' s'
1 h 18 min
